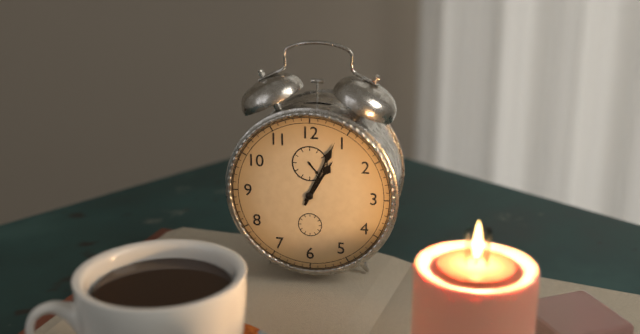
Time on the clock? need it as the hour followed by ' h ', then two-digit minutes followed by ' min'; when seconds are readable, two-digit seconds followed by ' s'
1 h 04 min
